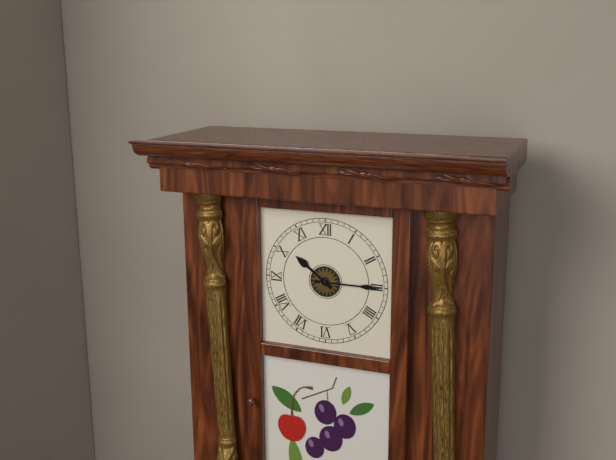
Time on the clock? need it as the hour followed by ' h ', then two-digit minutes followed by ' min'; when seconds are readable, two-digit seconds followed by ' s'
10 h 15 min
